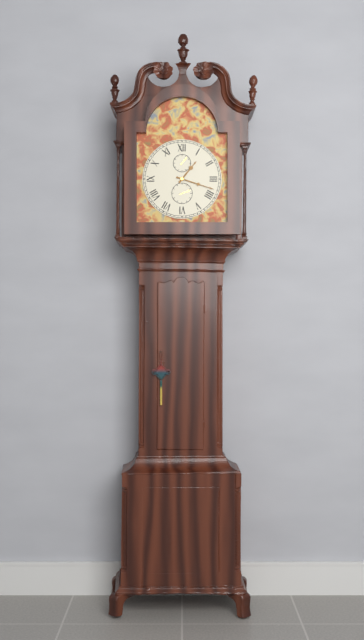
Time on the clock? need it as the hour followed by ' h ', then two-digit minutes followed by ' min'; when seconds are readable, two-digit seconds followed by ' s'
1 h 18 min
